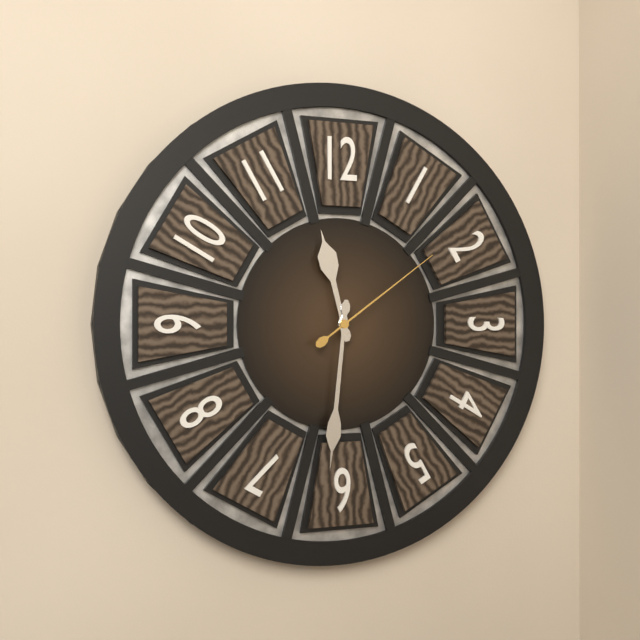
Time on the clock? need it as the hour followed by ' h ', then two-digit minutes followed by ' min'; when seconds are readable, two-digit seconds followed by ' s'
11 h 31 min 09 s
